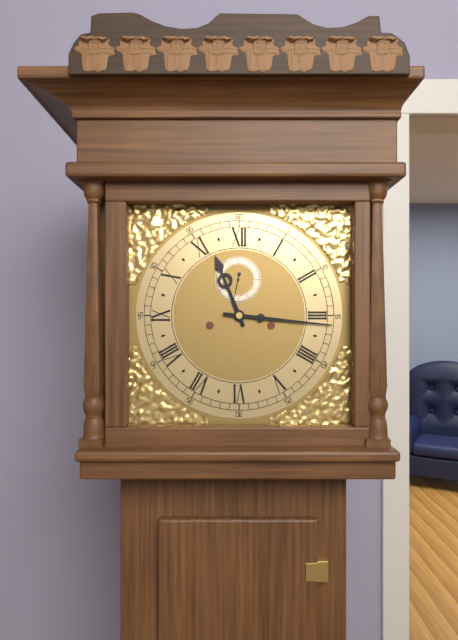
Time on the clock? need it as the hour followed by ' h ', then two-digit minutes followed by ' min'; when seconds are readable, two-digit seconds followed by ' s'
11 h 16 min
